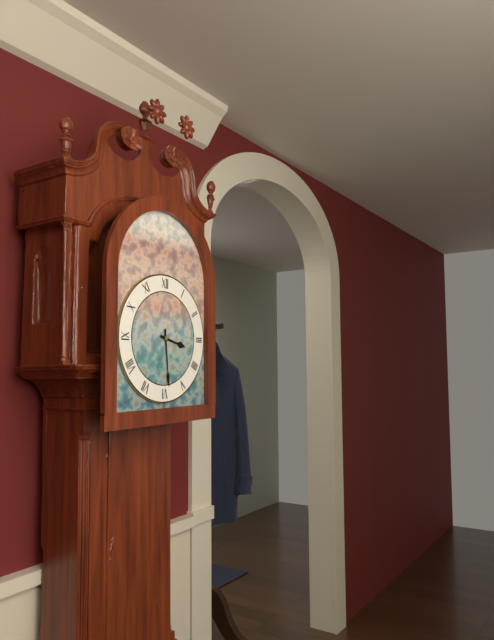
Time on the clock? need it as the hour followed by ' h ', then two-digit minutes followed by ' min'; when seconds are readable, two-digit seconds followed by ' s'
3 h 29 min
